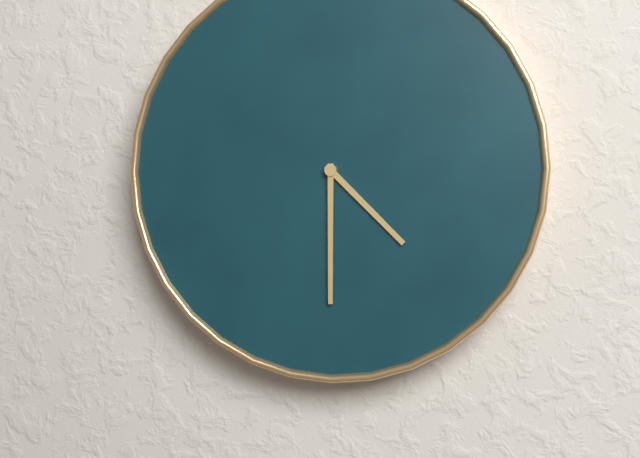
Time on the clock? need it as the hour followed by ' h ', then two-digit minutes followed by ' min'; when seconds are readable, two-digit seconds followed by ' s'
4 h 30 min
